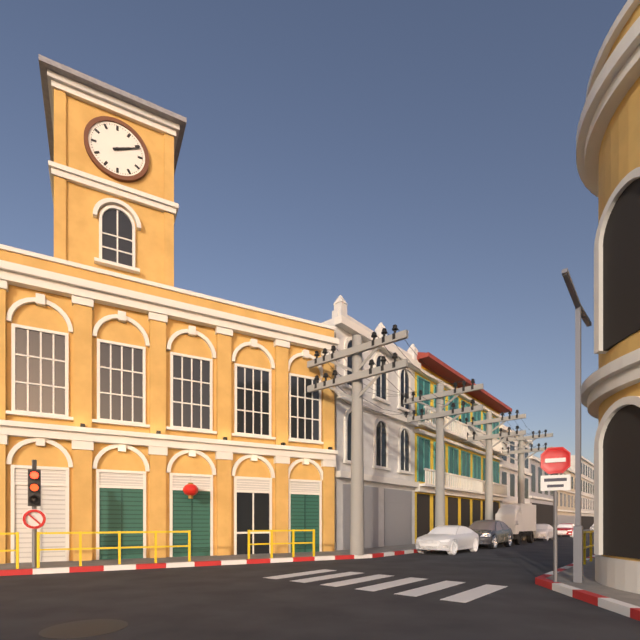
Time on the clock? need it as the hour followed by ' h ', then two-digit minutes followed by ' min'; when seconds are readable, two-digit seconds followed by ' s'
2 h 11 min
